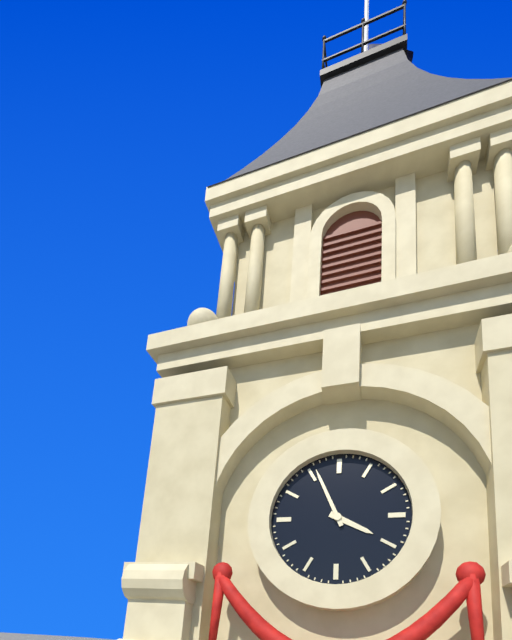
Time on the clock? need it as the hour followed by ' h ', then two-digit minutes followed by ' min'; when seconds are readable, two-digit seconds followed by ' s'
3 h 56 min
